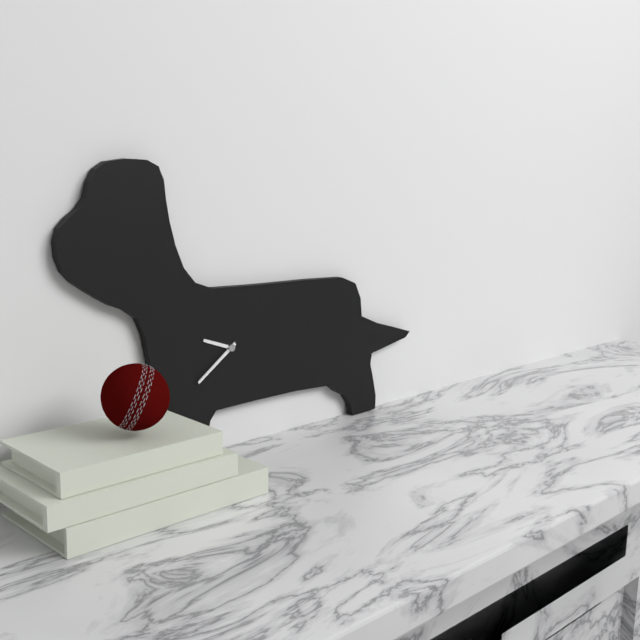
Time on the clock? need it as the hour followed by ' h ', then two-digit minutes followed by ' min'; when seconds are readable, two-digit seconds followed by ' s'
9 h 39 min
